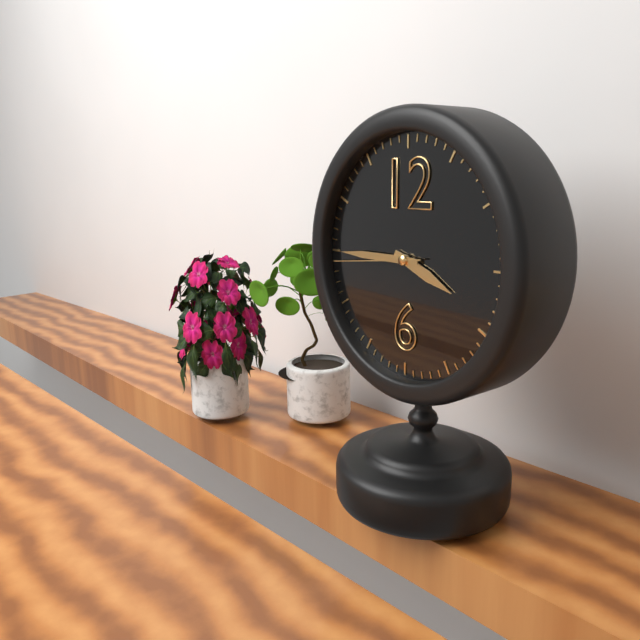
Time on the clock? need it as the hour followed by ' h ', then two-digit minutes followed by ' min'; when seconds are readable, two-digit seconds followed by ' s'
3 h 45 min 44 s
